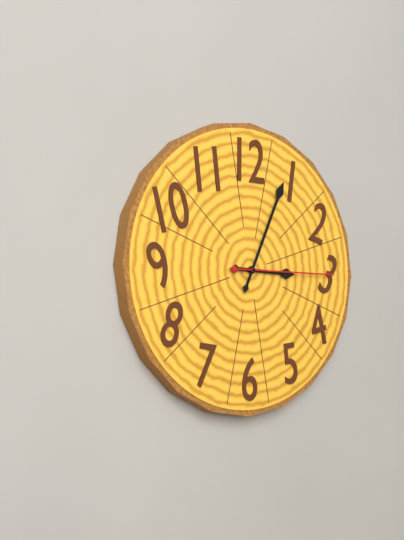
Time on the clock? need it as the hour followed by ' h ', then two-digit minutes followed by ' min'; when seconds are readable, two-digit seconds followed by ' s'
3 h 04 min 15 s
